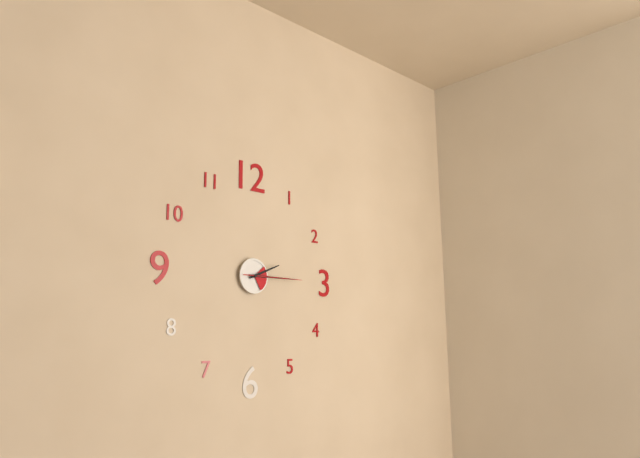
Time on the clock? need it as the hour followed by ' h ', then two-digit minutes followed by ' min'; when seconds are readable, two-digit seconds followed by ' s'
2 h 15 min 15 s
